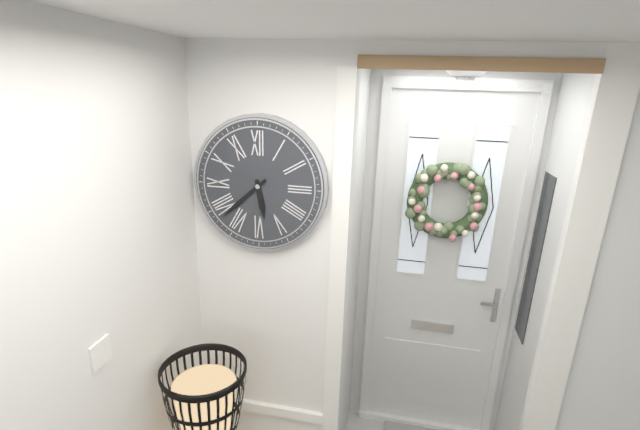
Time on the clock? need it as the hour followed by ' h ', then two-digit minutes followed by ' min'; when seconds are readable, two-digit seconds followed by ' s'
5 h 38 min
